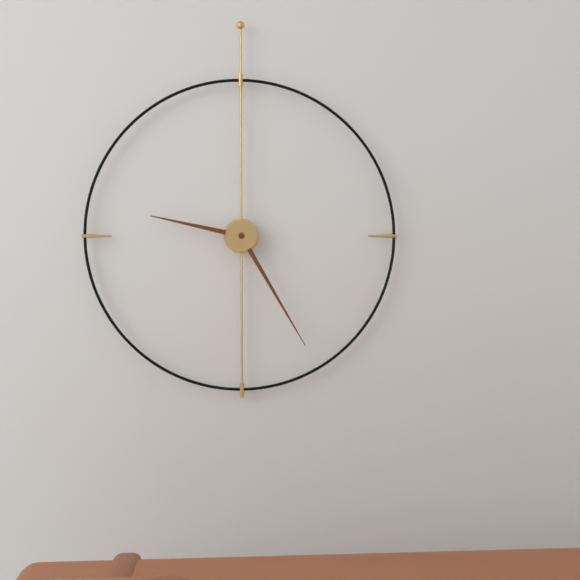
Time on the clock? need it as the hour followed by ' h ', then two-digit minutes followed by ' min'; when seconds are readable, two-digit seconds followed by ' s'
9 h 25 min
